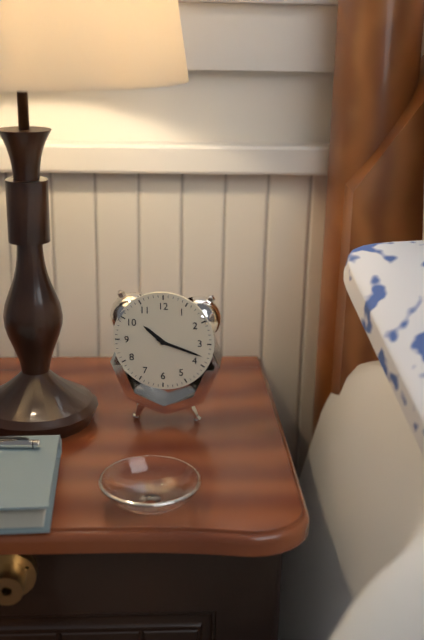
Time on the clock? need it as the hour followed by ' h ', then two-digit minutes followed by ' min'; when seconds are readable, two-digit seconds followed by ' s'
10 h 18 min
